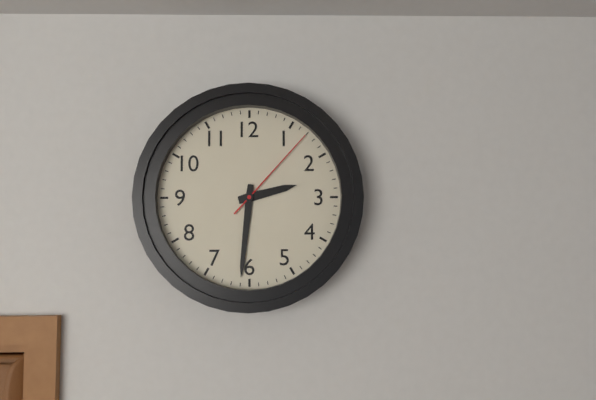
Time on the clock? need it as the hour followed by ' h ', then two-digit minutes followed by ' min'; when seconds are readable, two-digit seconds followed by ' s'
2 h 31 min 07 s
